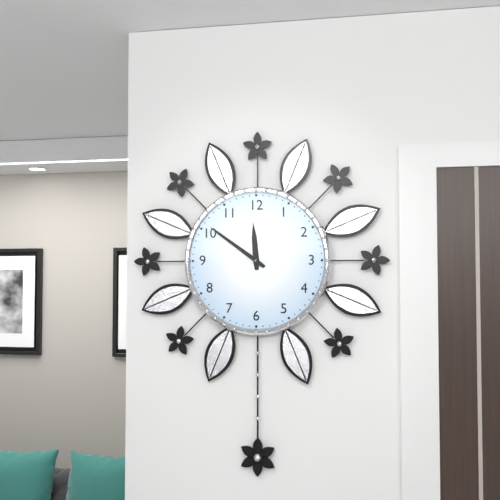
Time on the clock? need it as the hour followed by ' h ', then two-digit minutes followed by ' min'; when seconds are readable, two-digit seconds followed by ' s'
11 h 51 min
